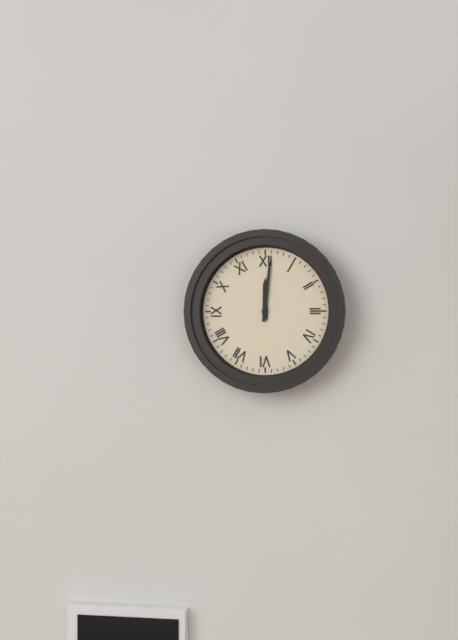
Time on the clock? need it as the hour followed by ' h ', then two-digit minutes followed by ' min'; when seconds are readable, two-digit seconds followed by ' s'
12 h 01 min
